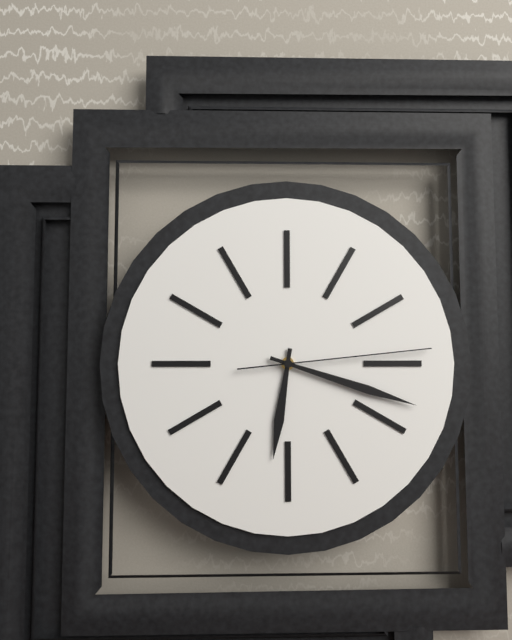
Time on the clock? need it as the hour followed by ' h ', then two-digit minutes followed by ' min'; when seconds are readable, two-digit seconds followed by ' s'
6 h 18 min 14 s
